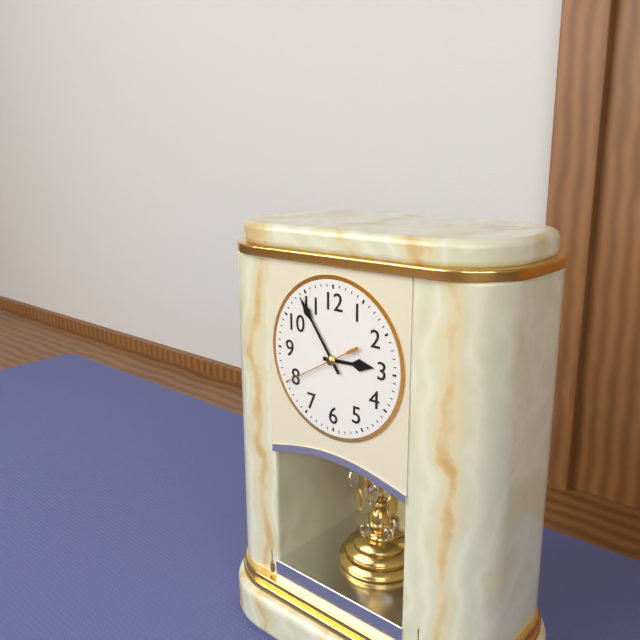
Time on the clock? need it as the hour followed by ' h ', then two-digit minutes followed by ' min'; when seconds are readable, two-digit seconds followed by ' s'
2 h 54 min 40 s
